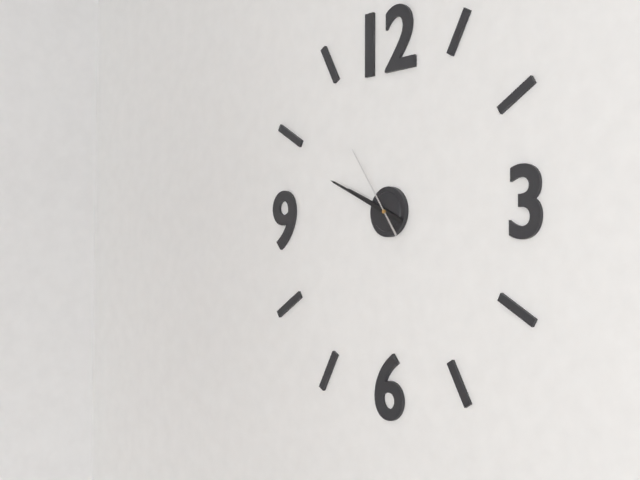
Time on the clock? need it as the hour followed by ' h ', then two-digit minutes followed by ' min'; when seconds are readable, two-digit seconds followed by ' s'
9 h 49 min 54 s
